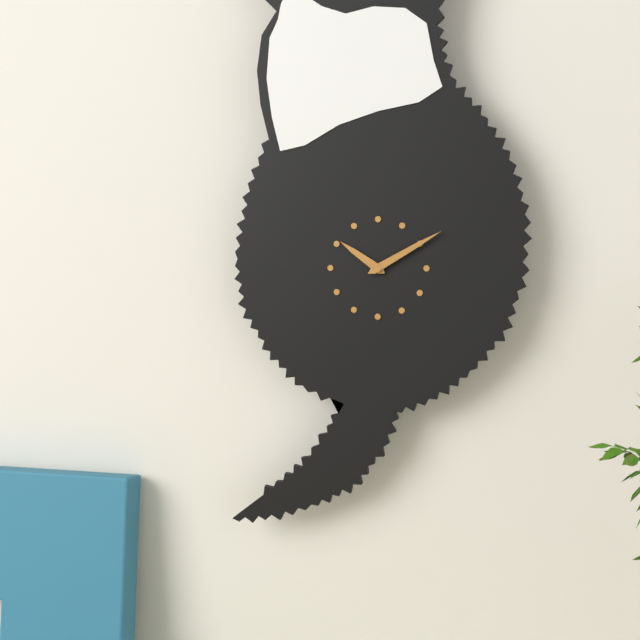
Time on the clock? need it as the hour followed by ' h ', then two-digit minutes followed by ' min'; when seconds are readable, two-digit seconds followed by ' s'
10 h 10 min
